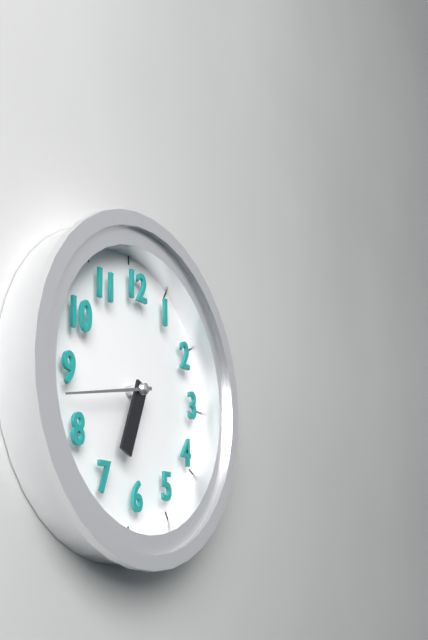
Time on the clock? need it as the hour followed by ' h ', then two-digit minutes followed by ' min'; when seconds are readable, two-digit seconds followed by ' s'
6 h 43 min
